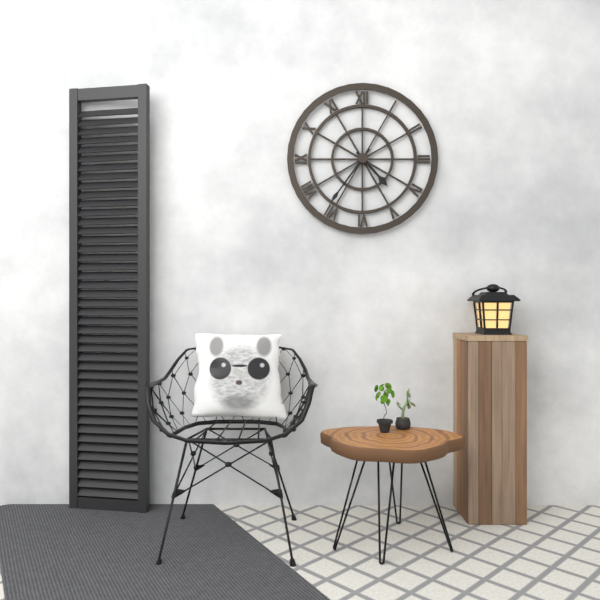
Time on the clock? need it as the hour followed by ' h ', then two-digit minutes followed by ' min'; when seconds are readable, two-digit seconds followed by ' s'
4 h 36 min
